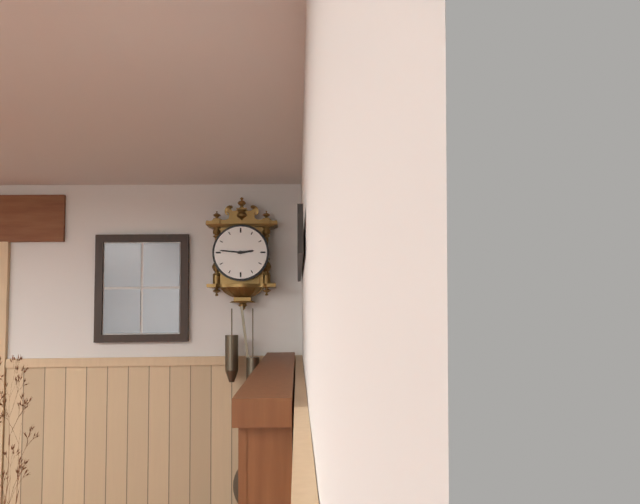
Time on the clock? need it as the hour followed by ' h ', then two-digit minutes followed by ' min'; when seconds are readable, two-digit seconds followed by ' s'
2 h 46 min
